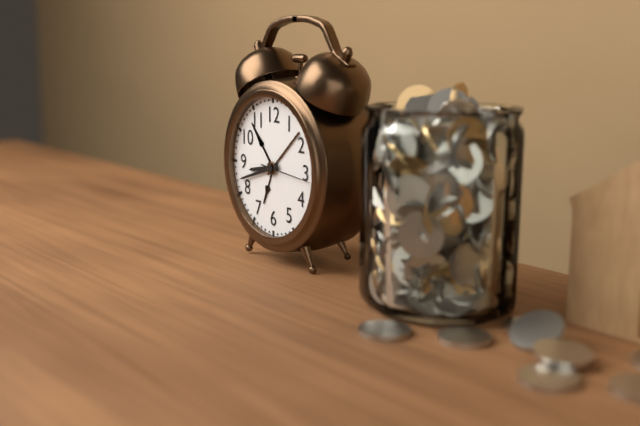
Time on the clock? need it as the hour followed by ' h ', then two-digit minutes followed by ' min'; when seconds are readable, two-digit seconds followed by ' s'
8 h 42 min
